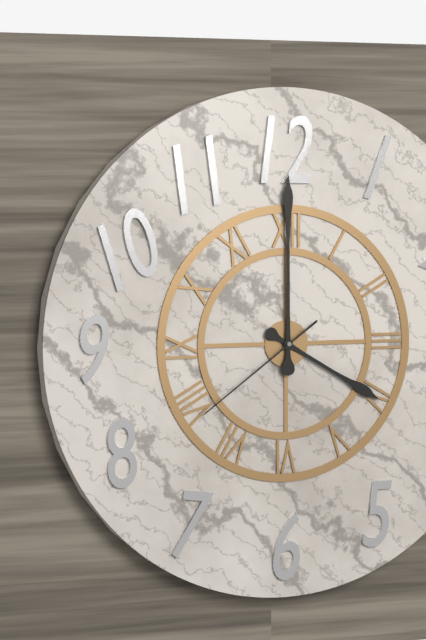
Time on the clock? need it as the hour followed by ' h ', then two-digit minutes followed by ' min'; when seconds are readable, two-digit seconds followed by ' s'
4 h 00 min 39 s
